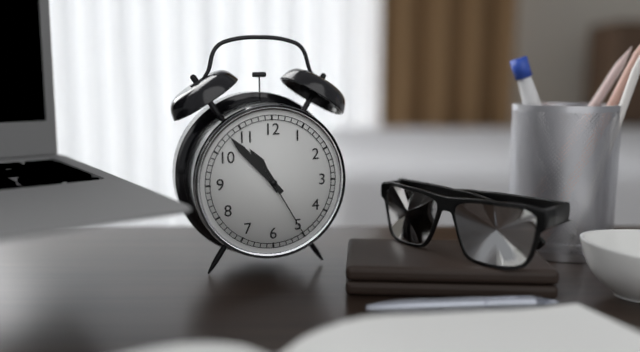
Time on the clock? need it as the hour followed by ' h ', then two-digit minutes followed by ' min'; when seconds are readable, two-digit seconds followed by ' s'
10 h 53 min 25 s
